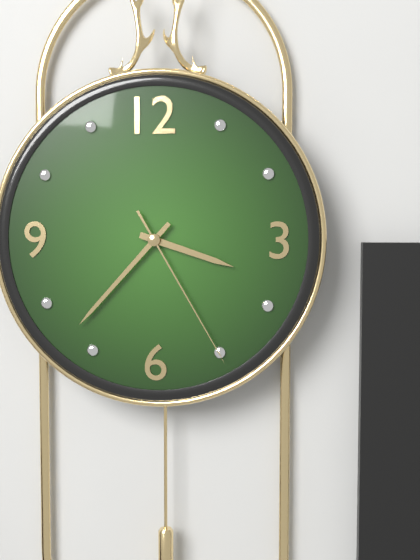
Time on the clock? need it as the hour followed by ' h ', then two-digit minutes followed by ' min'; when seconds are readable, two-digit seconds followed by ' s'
3 h 37 min 25 s
